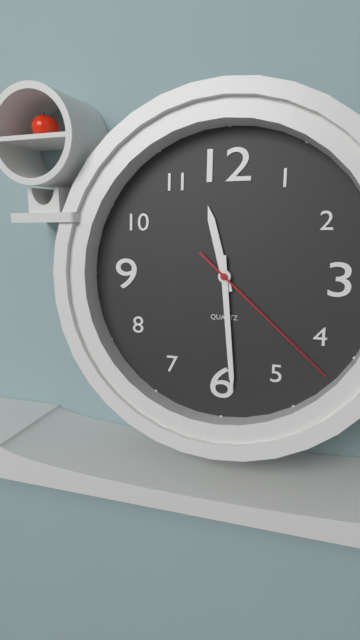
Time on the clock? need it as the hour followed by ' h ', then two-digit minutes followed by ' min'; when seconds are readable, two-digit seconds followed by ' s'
11 h 29 min 22 s
